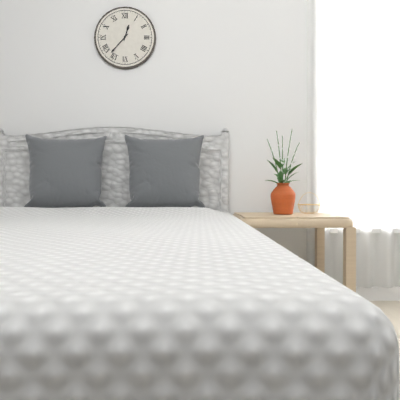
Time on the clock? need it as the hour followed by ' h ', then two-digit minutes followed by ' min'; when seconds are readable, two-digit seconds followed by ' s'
12 h 37 min
